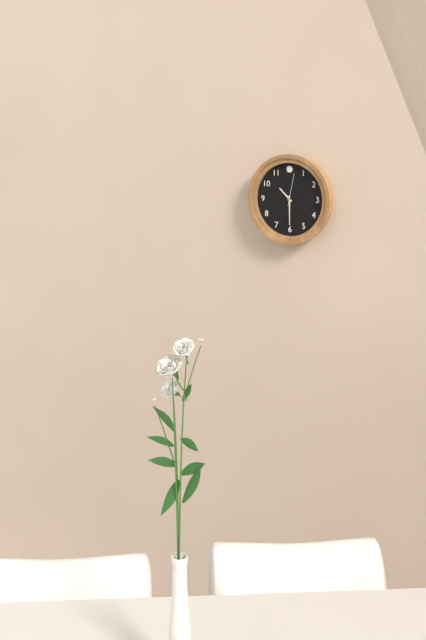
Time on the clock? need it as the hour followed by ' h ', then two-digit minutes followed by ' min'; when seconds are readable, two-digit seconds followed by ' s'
10 h 30 min
